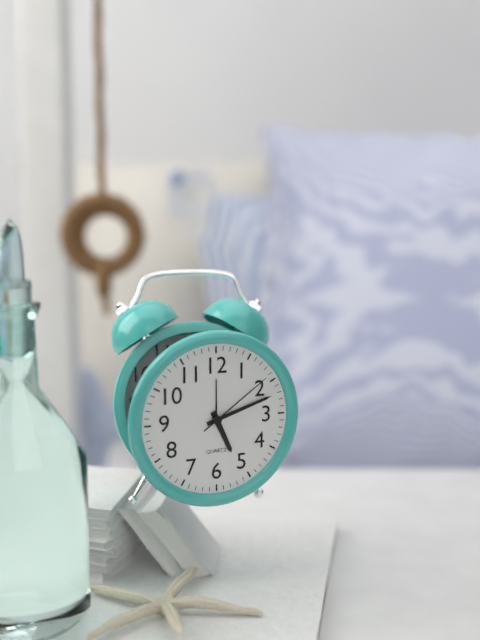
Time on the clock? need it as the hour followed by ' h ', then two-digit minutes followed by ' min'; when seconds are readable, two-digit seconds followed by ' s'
5 h 12 min 09 s
